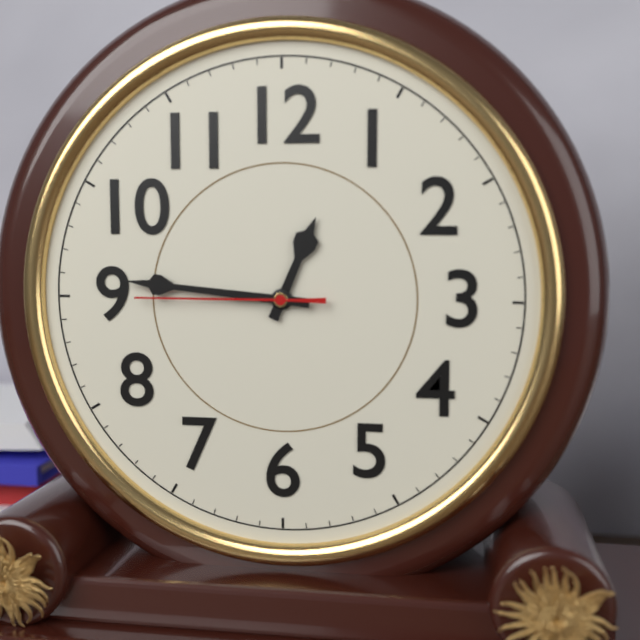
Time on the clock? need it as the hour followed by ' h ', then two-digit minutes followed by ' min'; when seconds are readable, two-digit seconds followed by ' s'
12 h 46 min 45 s
